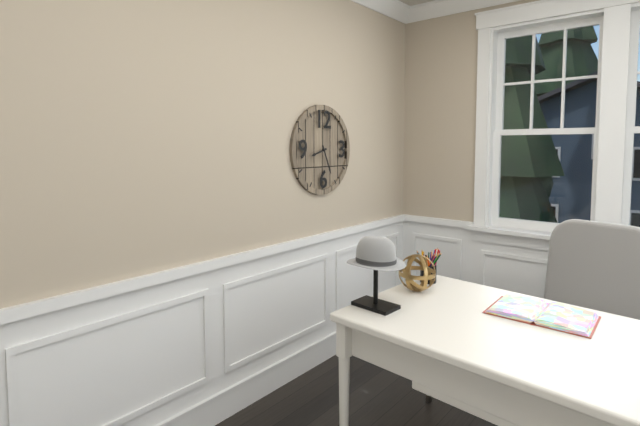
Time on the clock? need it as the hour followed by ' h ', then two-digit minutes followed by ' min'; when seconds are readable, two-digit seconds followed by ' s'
8 h 26 min
